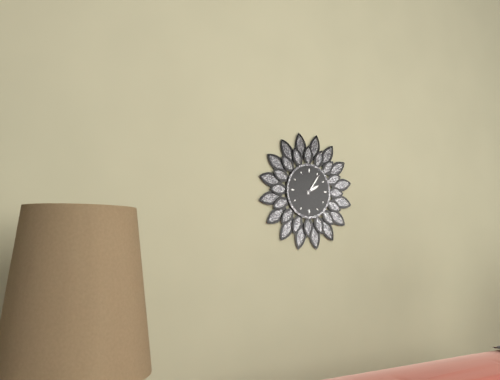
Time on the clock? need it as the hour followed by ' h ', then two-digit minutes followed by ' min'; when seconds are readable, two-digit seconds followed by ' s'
2 h 06 min
